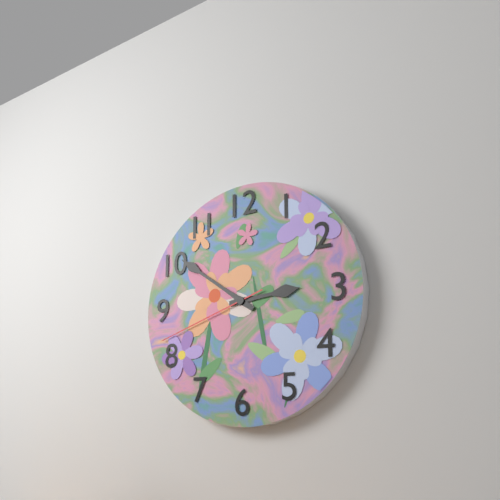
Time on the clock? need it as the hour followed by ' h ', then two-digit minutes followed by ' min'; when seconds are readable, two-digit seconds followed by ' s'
2 h 51 min 42 s
